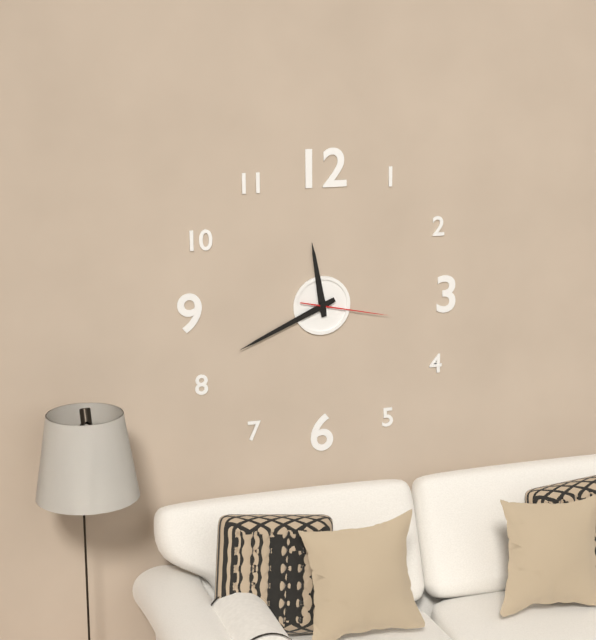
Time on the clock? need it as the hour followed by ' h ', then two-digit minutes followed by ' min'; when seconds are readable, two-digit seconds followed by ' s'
11 h 41 min 17 s
